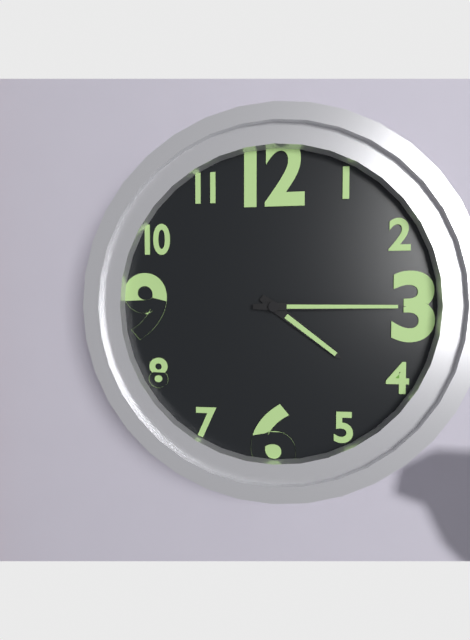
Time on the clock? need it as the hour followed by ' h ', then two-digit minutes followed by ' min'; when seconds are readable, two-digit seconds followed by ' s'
4 h 15 min
